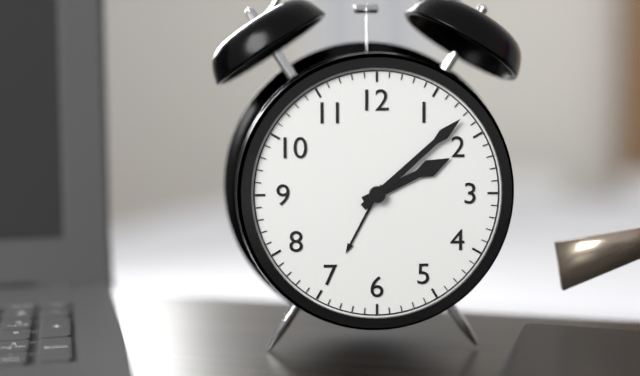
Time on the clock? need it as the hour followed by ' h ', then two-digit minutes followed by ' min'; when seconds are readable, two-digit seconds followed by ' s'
2 h 08 min
